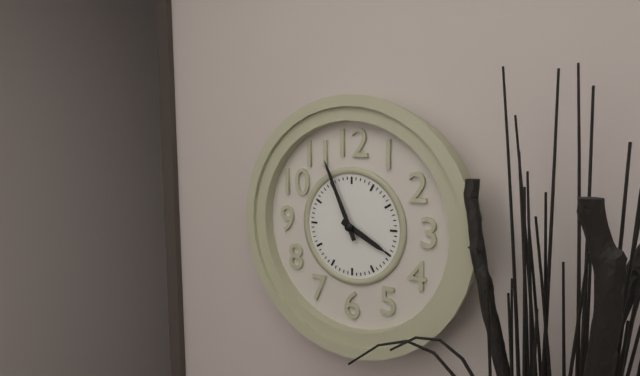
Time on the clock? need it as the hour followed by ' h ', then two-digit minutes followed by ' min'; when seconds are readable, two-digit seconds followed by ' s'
3 h 56 min
